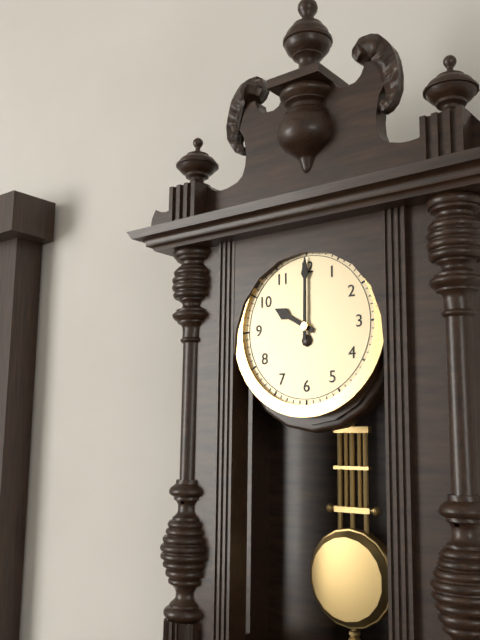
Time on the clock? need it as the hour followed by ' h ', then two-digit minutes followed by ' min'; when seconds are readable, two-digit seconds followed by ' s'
10 h 00 min
